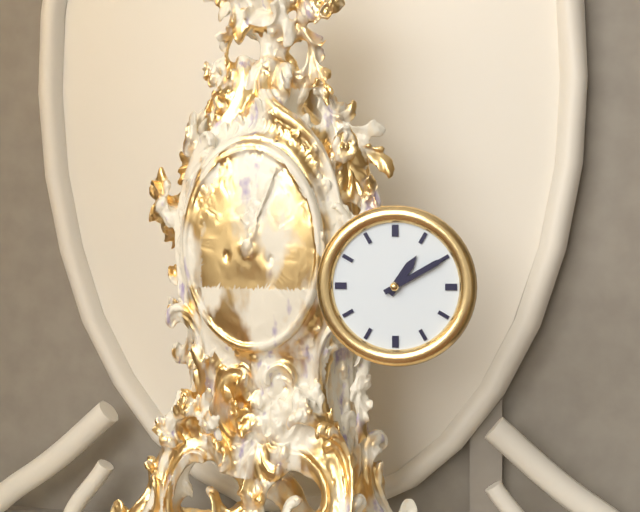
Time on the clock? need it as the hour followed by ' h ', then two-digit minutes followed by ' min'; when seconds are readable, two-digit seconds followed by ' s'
1 h 10 min
